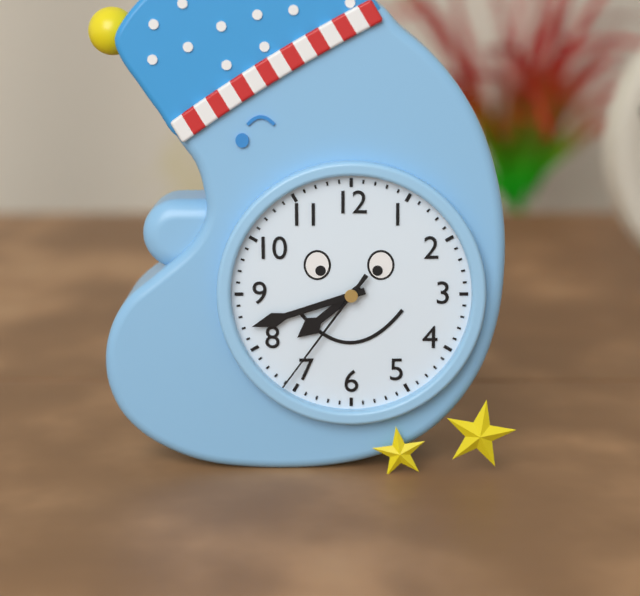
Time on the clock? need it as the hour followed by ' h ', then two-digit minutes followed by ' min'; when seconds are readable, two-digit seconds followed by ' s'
7 h 42 min 36 s
